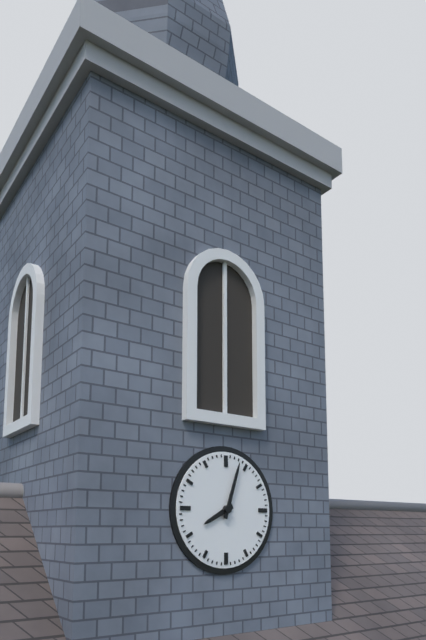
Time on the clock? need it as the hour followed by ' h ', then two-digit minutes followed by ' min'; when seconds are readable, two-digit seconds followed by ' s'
8 h 03 min
